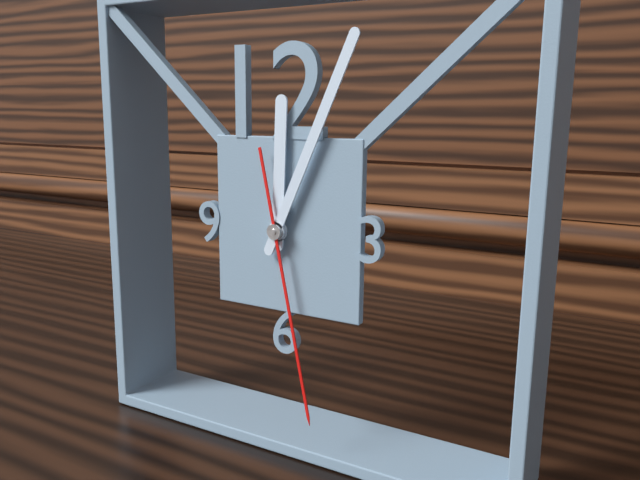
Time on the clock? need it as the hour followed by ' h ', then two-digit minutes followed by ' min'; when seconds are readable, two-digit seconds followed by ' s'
12 h 04 min 28 s
